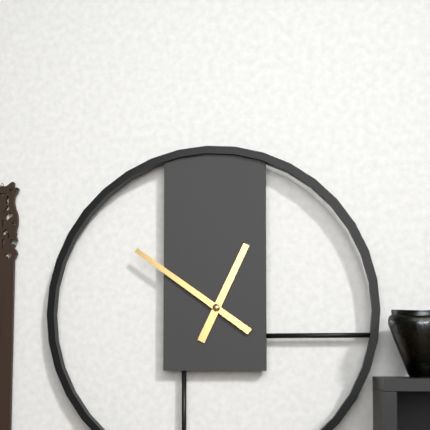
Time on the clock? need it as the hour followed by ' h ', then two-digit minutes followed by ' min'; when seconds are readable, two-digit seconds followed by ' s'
12 h 51 min
